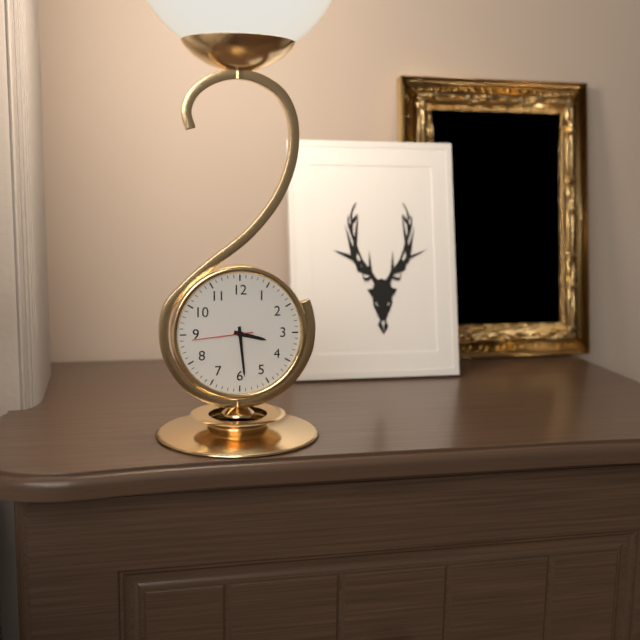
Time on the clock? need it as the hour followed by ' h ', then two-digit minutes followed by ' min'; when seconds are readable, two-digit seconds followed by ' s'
3 h 29 min 44 s
